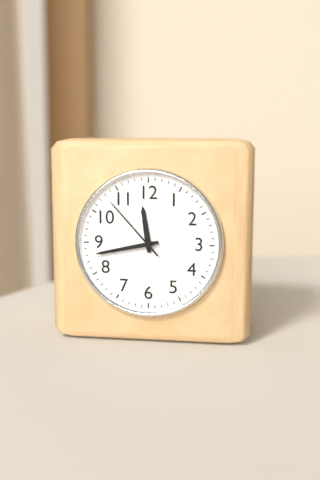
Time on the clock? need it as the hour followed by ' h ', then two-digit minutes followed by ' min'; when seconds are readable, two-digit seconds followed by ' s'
11 h 43 min 53 s
